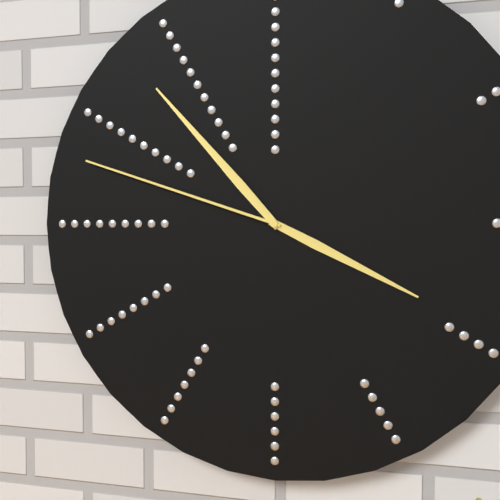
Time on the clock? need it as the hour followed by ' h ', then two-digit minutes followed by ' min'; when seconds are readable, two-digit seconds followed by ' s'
3 h 53 min 48 s
